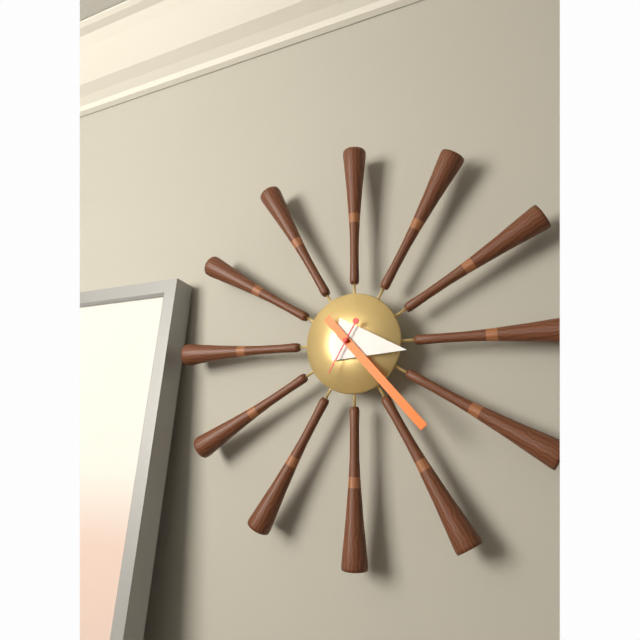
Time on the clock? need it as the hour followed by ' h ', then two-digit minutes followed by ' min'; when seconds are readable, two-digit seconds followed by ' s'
3 h 23 min 35 s
